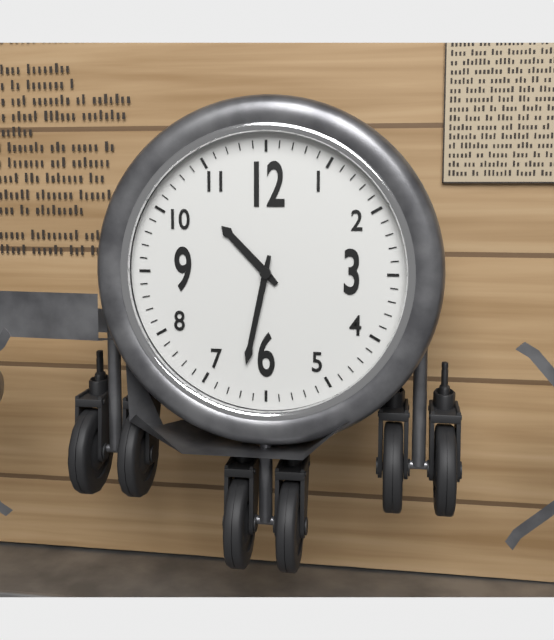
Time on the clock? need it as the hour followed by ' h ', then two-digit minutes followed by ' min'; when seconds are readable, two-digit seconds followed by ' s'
10 h 32 min
